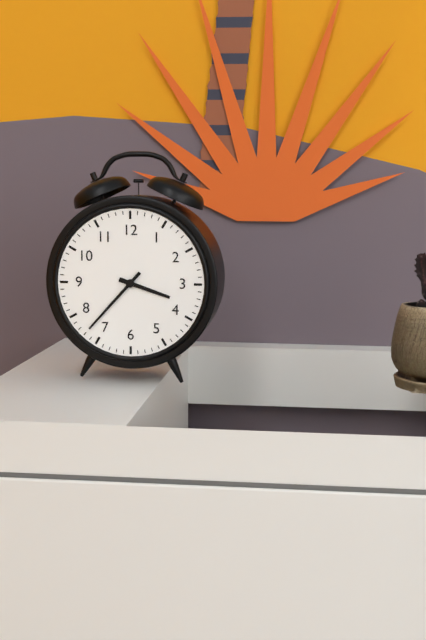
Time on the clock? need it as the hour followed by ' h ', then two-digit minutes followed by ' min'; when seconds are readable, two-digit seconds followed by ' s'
3 h 37 min
